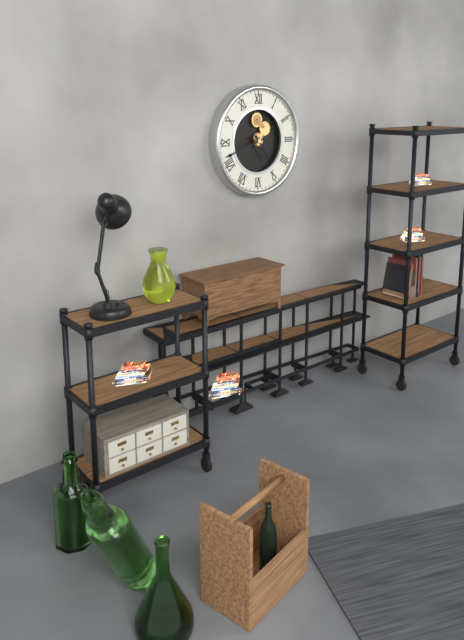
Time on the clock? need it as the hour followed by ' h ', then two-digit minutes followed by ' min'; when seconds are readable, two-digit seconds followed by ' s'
4 h 42 min
